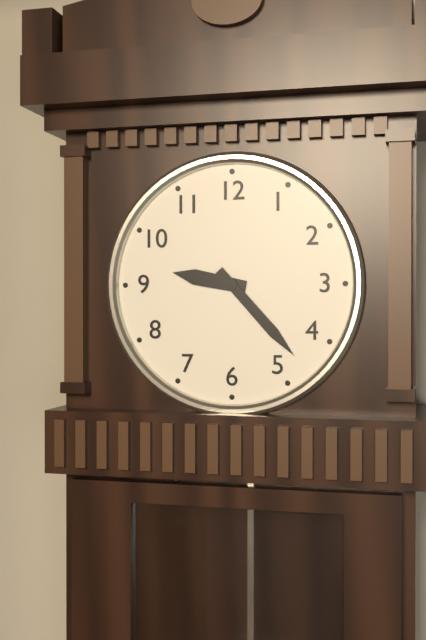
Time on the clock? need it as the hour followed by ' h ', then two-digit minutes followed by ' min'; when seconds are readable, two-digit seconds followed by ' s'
9 h 23 min
